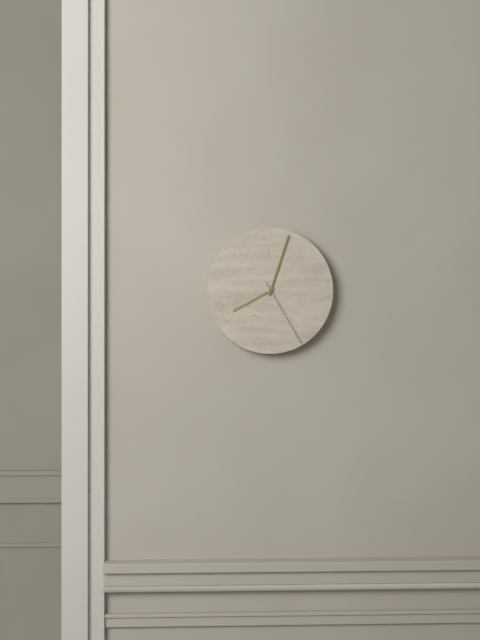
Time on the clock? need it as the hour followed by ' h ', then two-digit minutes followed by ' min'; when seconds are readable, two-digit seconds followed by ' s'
8 h 03 min 25 s
